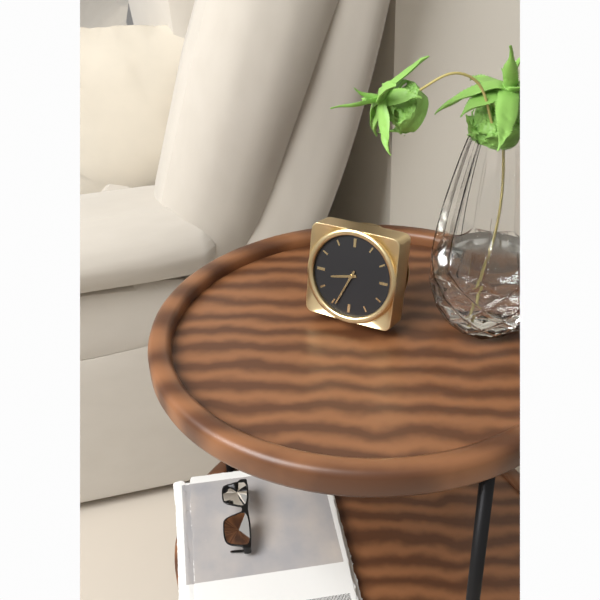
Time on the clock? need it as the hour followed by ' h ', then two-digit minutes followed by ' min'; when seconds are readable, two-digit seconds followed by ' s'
8 h 34 min
